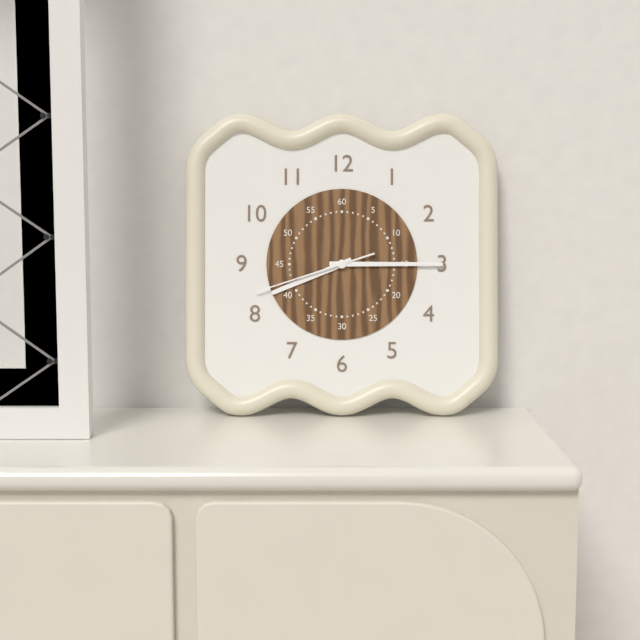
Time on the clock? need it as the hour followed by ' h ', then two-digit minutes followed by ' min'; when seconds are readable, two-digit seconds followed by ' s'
8 h 15 min 42 s
